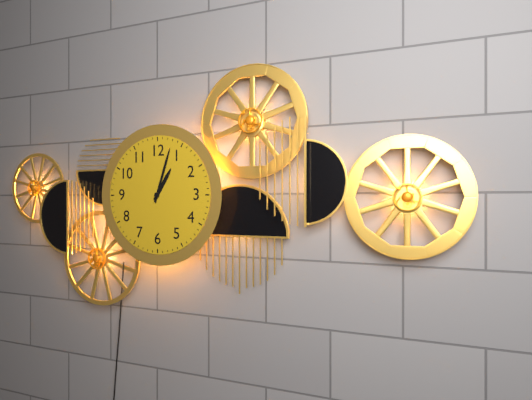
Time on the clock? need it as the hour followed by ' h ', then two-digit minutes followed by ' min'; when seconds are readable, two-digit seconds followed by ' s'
1 h 03 min
